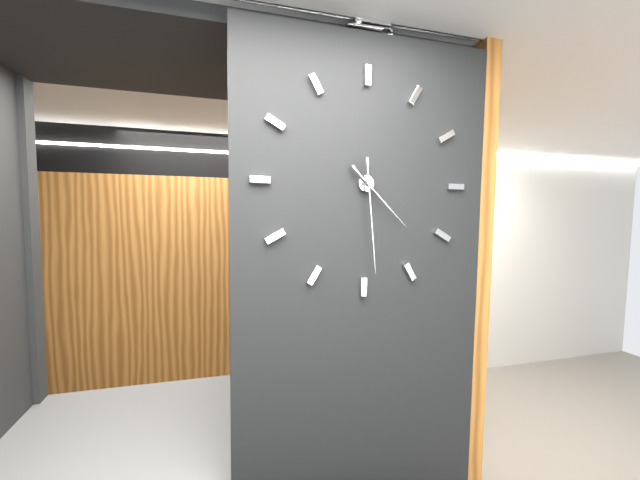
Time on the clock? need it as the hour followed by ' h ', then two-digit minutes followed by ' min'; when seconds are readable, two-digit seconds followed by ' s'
4 h 29 min
